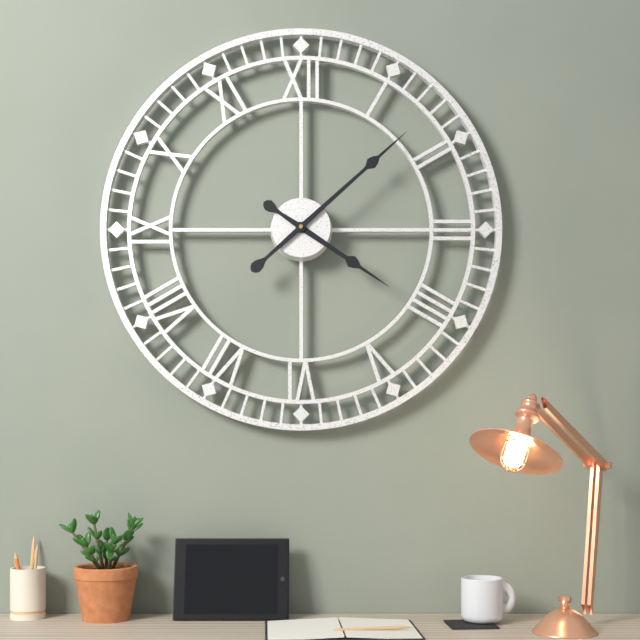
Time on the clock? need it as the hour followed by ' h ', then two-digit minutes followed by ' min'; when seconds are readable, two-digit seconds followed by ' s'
4 h 08 min
